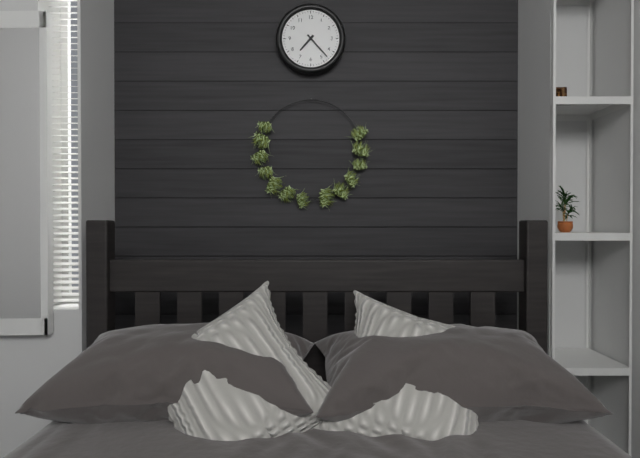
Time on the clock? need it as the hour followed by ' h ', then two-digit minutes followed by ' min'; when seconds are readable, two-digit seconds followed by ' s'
7 h 23 min
